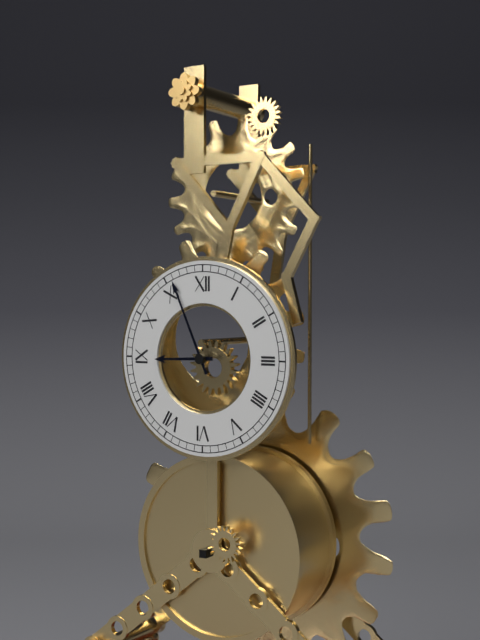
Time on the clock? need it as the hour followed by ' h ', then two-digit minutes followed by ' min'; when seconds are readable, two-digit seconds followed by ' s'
8 h 56 min
